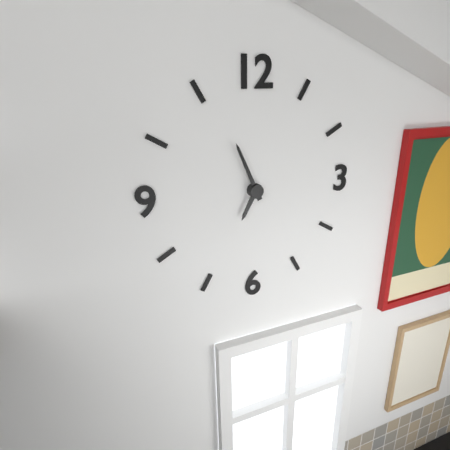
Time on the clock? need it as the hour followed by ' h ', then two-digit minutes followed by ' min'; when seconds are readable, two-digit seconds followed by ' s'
6 h 56 min
